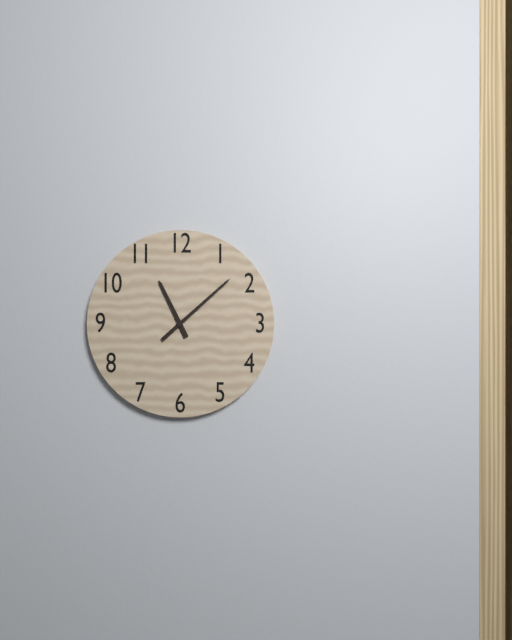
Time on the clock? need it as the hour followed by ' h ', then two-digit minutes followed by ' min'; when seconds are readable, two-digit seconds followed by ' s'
11 h 08 min
